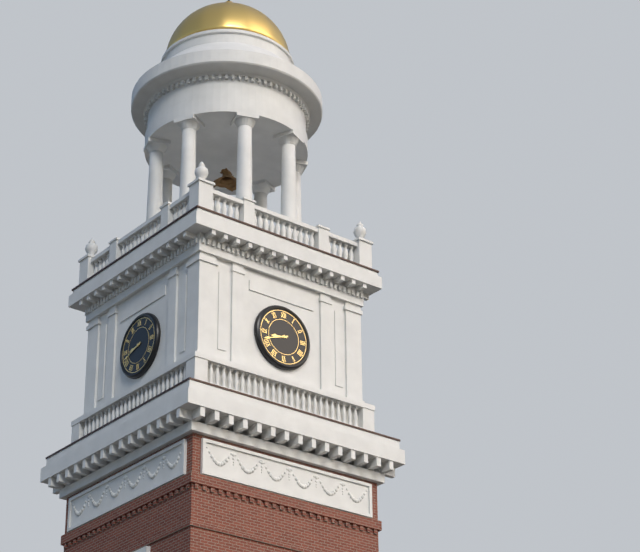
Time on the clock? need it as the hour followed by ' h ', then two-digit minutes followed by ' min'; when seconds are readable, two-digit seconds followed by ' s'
8 h 42 min
